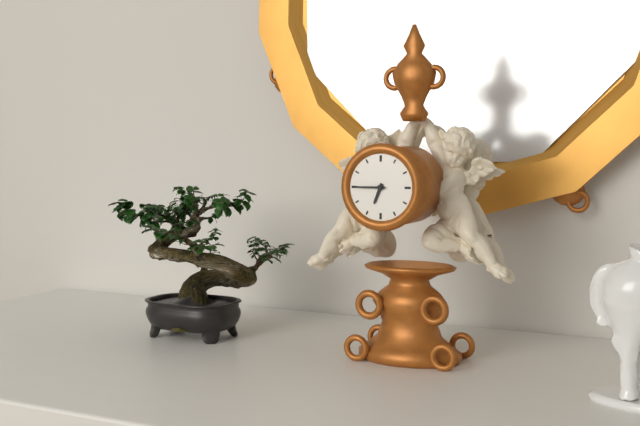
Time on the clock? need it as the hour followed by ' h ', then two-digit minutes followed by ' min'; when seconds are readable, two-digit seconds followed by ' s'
6 h 45 min
